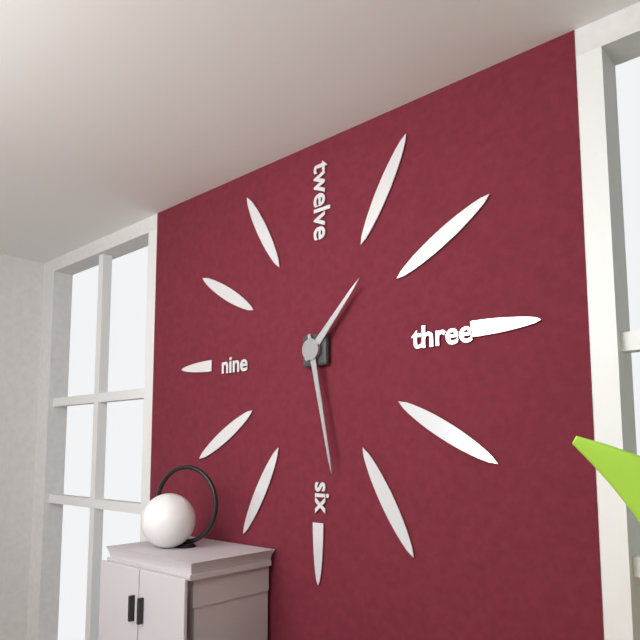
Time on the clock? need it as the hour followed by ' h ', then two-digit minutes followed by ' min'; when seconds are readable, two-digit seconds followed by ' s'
1 h 28 min
